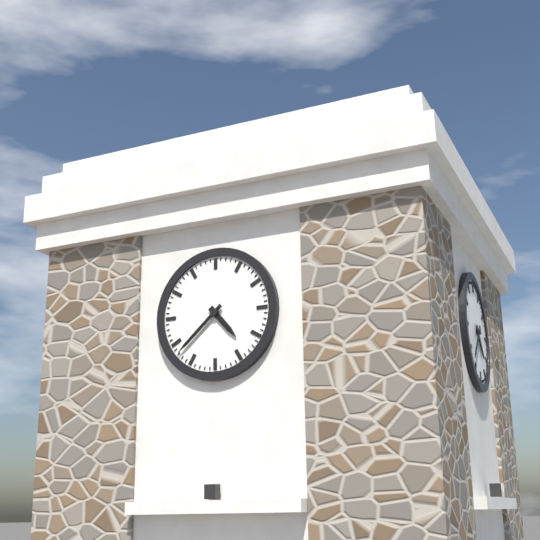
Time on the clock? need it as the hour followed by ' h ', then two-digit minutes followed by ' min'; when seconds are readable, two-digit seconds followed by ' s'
4 h 38 min
